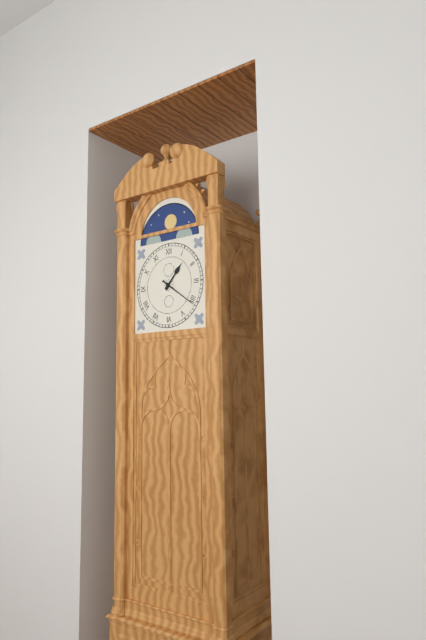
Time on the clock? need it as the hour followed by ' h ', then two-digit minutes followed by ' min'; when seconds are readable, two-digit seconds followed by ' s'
1 h 21 min
